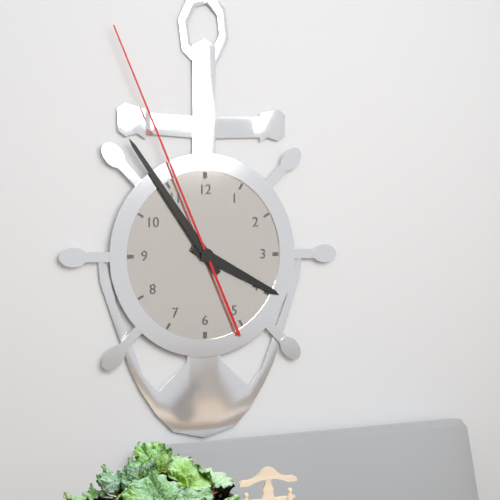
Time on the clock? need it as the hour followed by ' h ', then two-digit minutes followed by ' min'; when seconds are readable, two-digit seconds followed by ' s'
3 h 54 min 56 s
